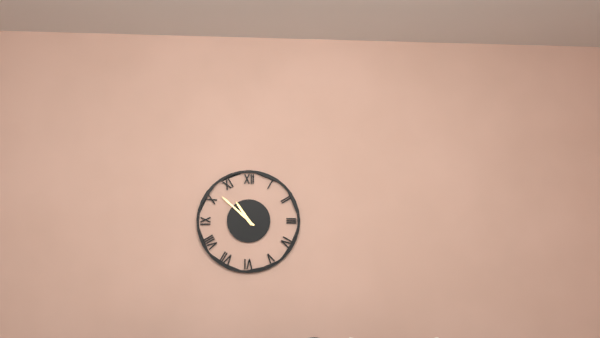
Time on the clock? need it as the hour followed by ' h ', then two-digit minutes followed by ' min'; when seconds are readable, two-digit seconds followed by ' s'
10 h 52 min
